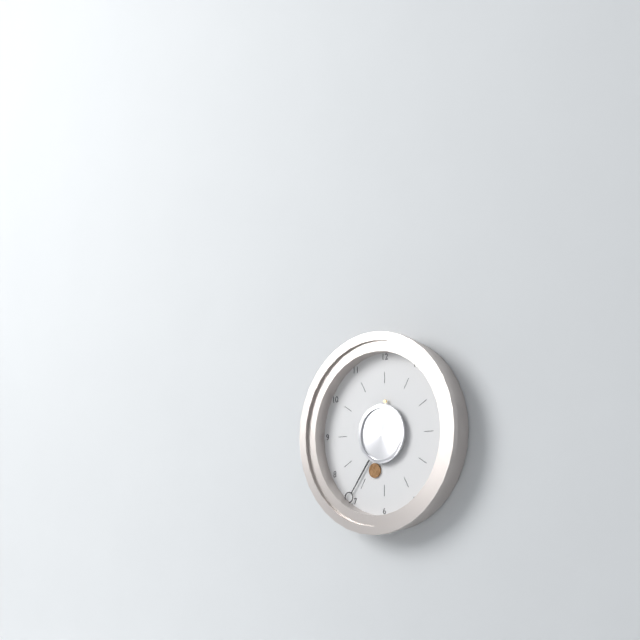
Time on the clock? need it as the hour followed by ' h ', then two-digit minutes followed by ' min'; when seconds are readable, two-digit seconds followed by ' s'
6 h 36 min
